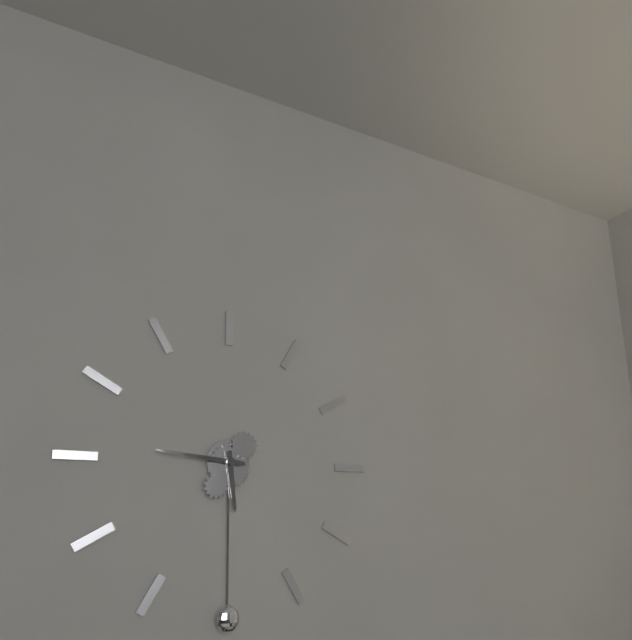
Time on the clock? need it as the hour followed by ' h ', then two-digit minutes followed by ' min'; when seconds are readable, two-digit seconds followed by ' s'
5 h 46 min
